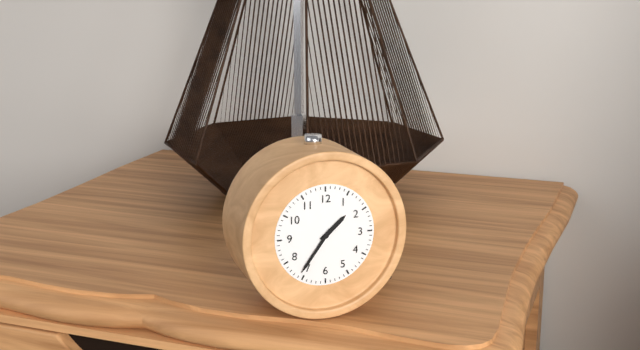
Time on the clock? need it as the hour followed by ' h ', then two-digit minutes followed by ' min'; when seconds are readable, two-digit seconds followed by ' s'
1 h 36 min
